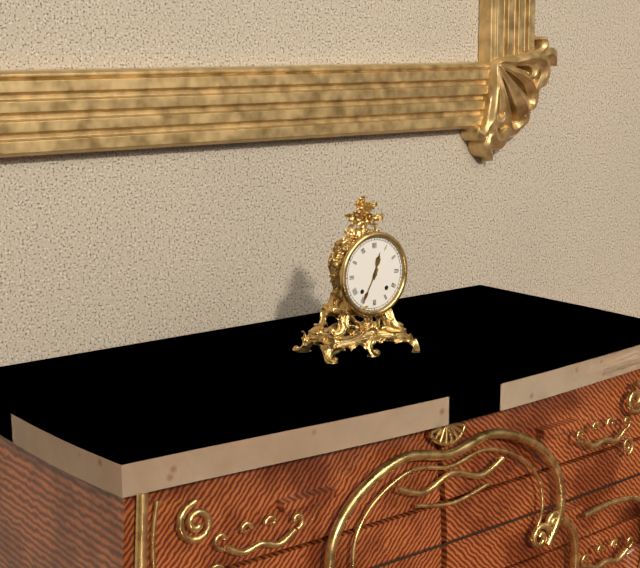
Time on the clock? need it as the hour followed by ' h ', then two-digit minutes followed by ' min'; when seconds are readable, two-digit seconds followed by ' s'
12 h 35 min
